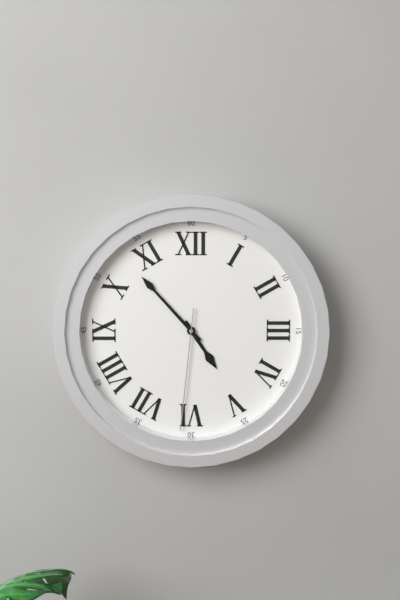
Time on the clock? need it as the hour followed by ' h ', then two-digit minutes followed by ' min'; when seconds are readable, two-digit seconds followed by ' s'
4 h 53 min 31 s
